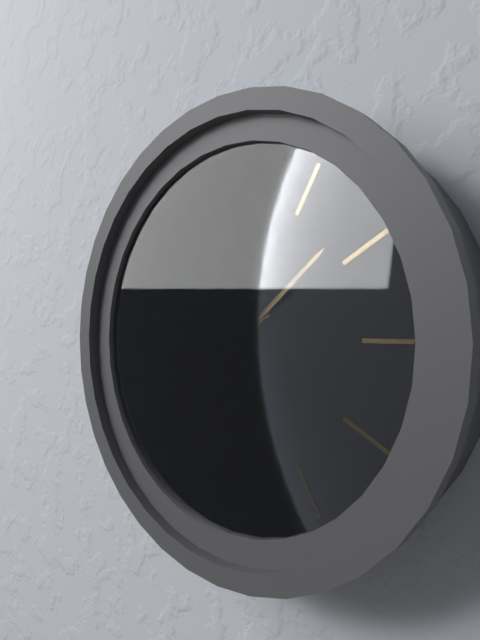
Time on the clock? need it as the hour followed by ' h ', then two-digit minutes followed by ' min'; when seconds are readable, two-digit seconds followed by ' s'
1 h 41 min 40 s
